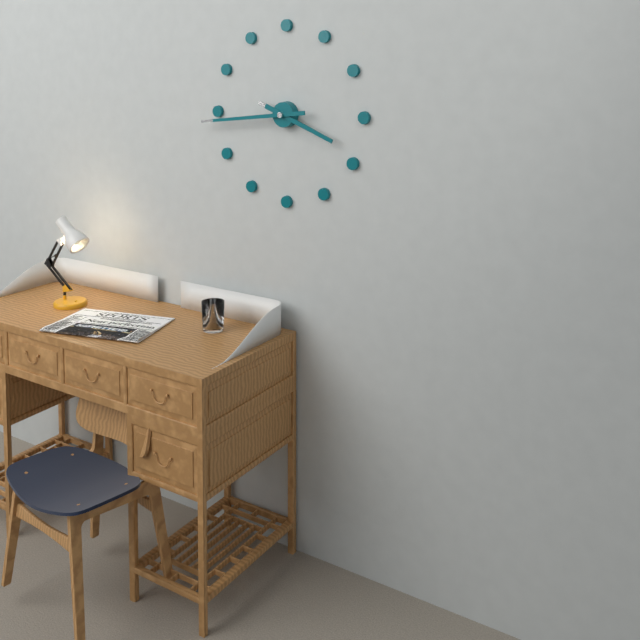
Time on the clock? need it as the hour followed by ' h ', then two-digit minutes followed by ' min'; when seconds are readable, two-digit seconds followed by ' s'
3 h 44 min
